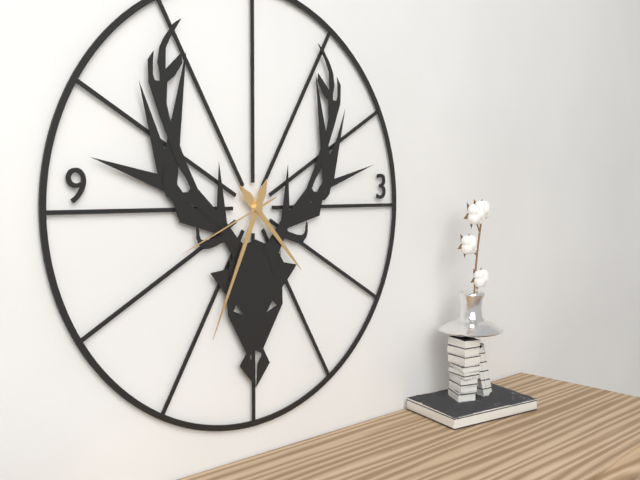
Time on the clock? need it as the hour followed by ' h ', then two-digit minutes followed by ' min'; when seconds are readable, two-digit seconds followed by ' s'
4 h 34 min 41 s
